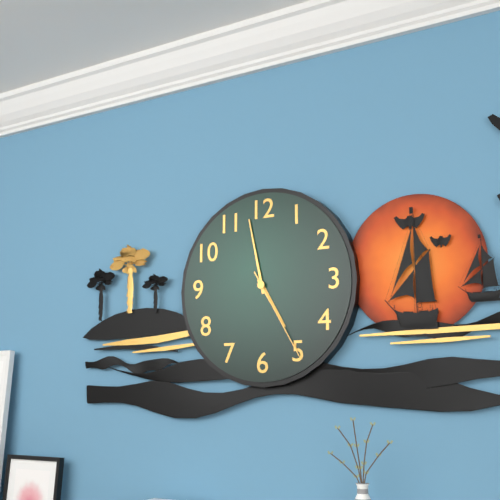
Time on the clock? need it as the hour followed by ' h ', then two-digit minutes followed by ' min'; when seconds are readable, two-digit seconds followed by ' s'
4 h 58 min 25 s
